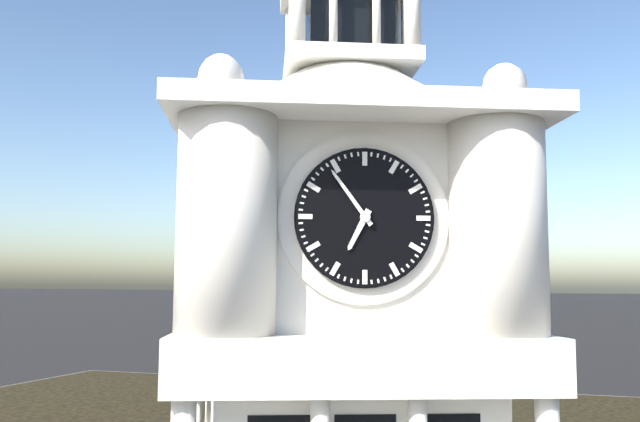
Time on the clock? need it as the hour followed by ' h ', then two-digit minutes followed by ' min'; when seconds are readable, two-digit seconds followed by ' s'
6 h 54 min
